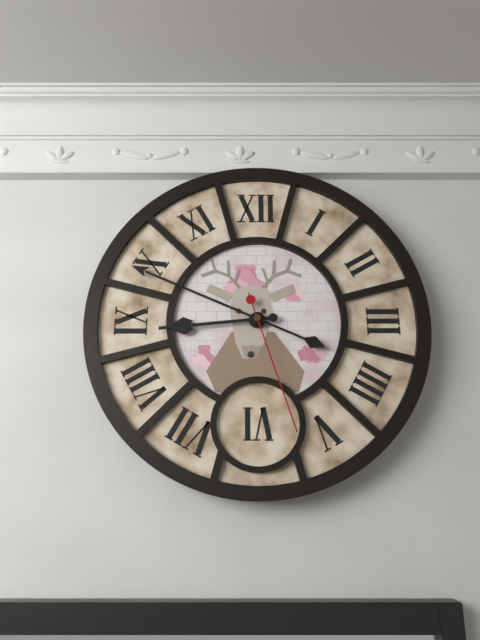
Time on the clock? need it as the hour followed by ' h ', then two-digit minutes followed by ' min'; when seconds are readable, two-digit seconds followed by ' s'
8 h 49 min 27 s
